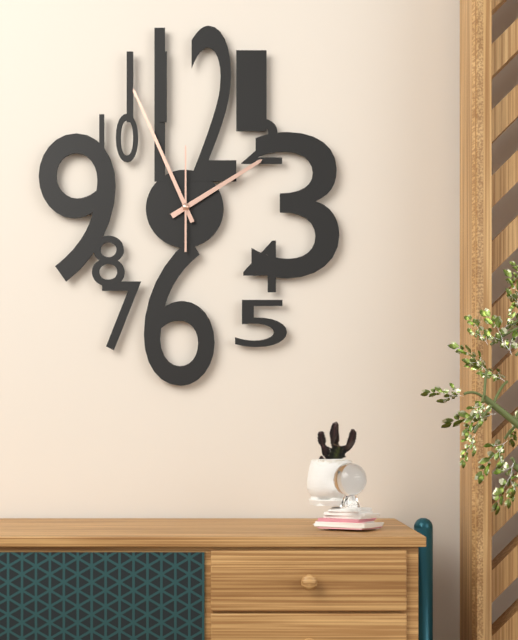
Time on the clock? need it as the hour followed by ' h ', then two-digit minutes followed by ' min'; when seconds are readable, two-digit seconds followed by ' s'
1 h 56 min 00 s
